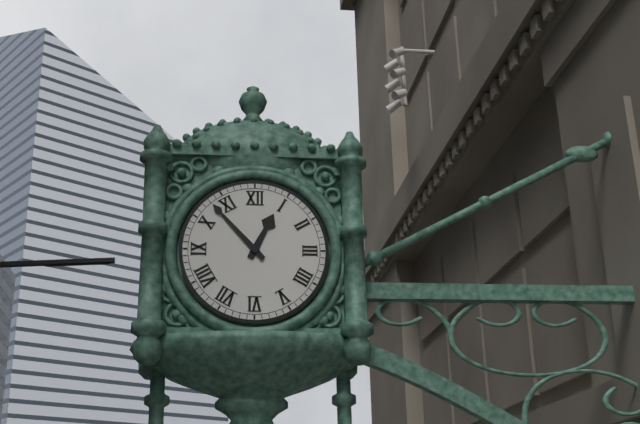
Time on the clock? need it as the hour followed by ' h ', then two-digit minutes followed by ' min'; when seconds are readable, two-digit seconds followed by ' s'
12 h 53 min
